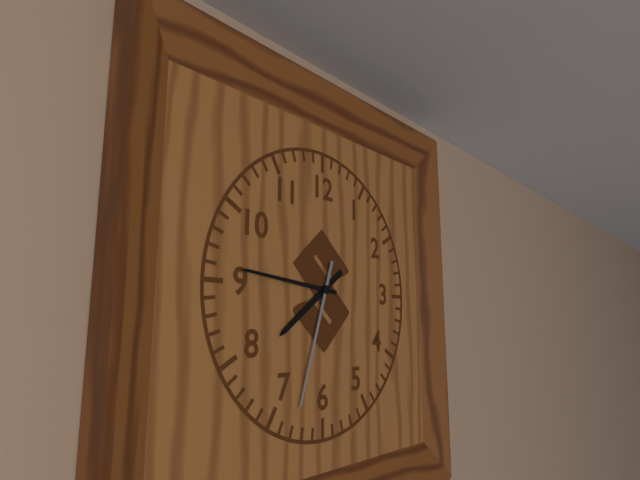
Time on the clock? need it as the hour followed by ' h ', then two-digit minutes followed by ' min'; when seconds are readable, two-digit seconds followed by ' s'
7 h 46 min 33 s
